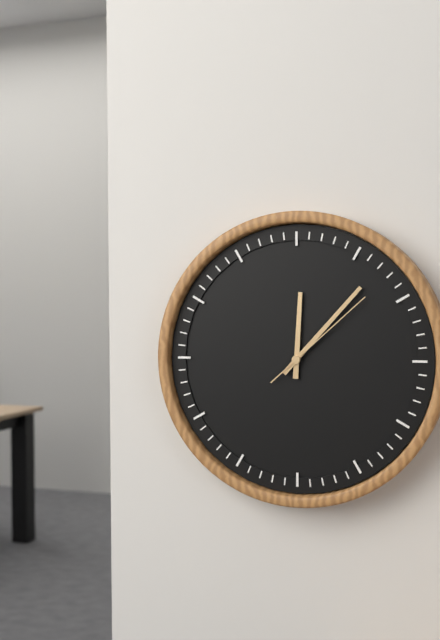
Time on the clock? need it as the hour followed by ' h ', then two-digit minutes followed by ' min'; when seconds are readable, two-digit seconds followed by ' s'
12 h 07 min 08 s
